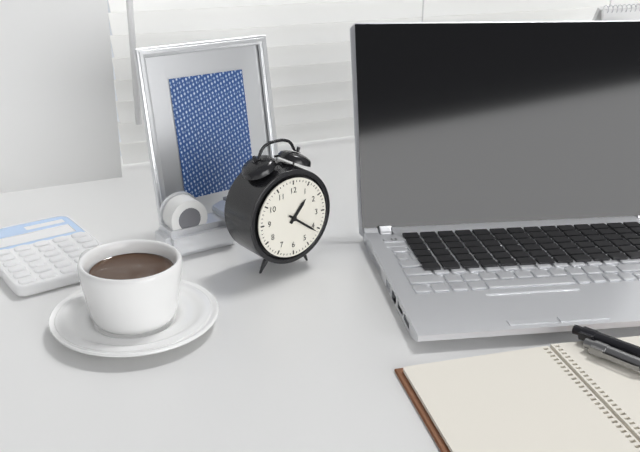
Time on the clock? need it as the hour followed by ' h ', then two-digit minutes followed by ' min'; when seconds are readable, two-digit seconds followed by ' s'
1 h 21 min
